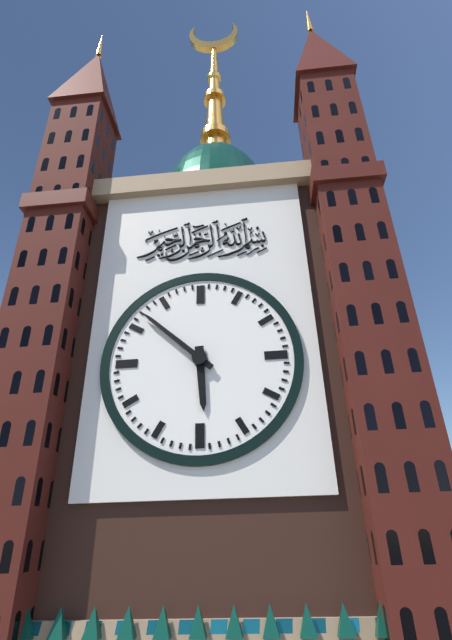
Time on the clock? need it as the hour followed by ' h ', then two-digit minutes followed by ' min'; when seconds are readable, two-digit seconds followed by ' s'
5 h 52 min
